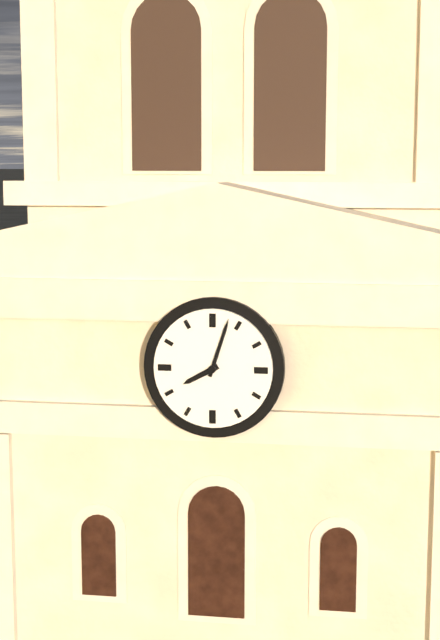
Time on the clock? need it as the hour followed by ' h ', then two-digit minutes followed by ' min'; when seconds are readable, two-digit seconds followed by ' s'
8 h 03 min
